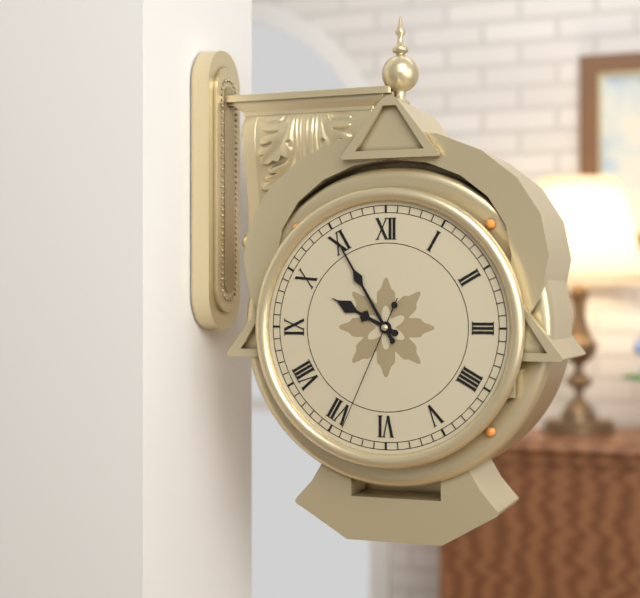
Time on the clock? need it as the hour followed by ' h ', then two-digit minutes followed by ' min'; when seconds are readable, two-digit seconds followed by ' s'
9 h 55 min 34 s
